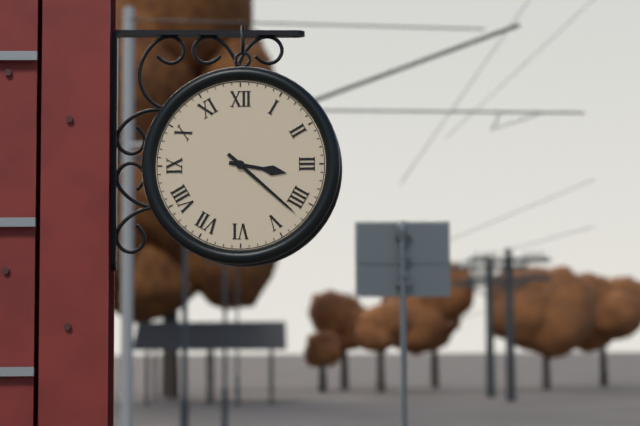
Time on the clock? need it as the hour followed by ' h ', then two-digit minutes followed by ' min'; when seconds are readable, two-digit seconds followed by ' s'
3 h 22 min
